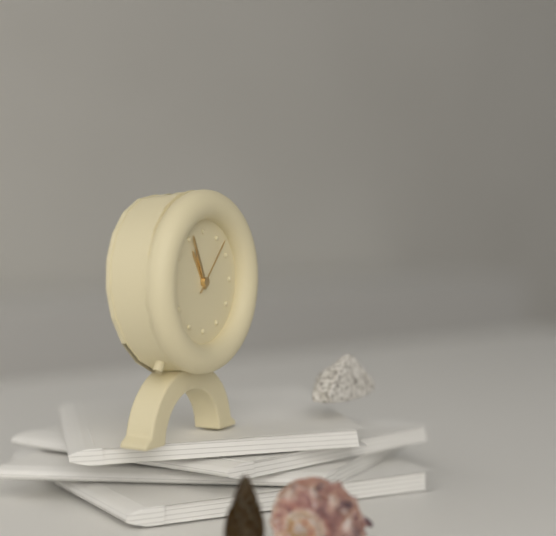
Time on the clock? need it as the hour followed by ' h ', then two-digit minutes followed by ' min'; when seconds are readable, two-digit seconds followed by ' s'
10 h 56 min 07 s
